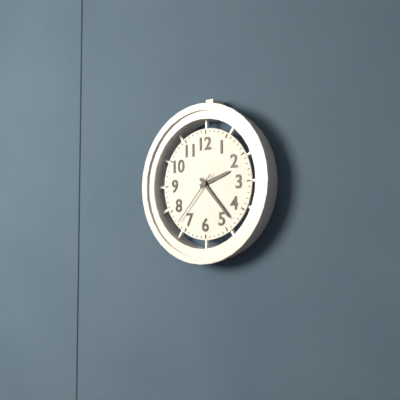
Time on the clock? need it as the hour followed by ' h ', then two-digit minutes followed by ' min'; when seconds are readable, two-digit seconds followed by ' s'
2 h 23 min 37 s
